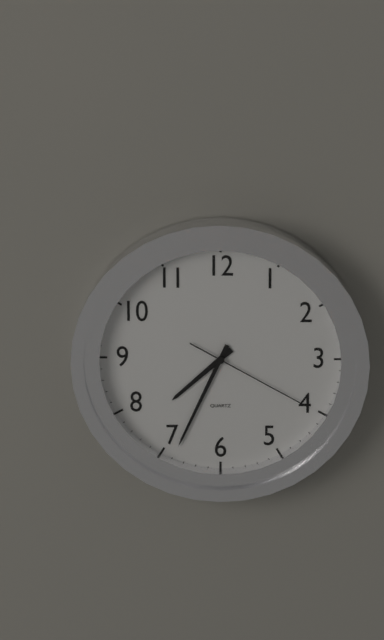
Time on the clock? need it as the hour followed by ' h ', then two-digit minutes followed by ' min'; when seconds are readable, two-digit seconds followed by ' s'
7 h 34 min 20 s
